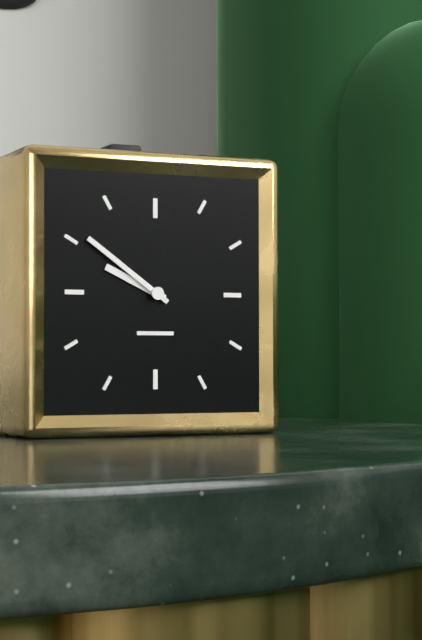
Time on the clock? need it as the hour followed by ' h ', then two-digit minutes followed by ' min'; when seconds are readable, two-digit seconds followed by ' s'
9 h 51 min
